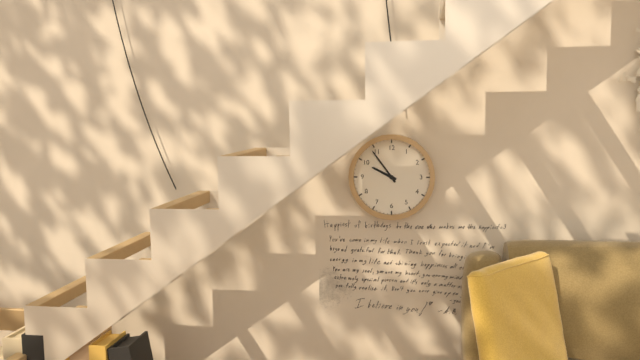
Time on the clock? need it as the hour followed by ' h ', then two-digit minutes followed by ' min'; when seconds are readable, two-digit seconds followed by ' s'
9 h 54 min
